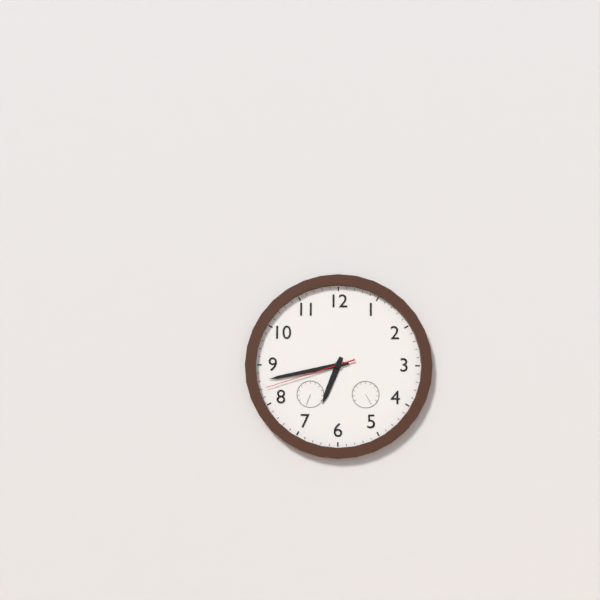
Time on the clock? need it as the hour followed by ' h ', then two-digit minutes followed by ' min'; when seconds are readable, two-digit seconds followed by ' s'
6 h 43 min 42 s
